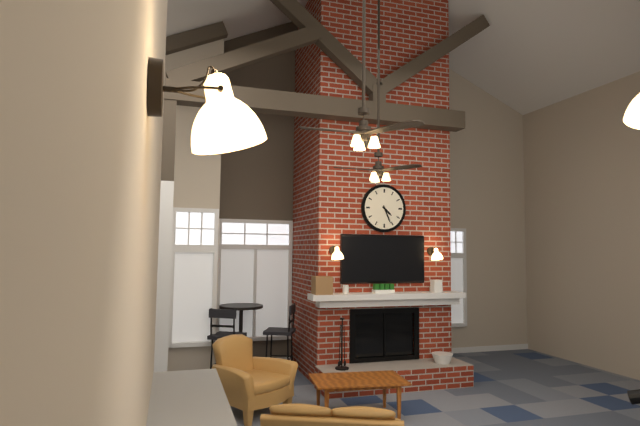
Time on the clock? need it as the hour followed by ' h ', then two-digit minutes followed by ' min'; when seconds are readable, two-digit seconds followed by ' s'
4 h 26 min
